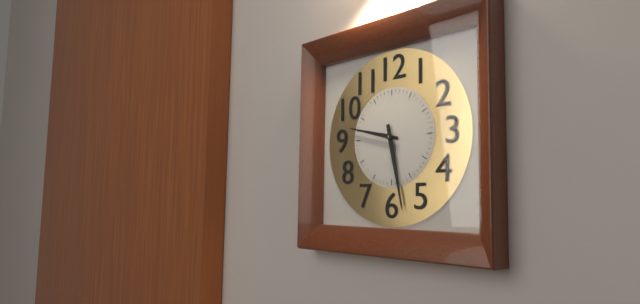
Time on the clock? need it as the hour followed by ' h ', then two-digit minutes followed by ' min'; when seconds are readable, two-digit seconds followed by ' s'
9 h 28 min
